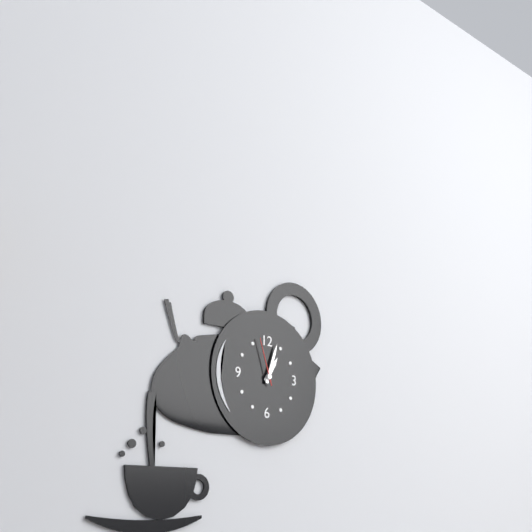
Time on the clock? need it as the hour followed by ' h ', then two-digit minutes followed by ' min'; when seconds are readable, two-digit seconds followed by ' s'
1 h 03 min
